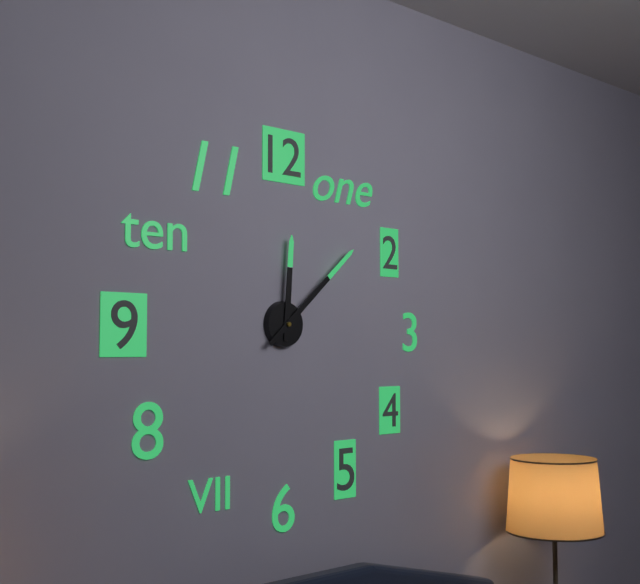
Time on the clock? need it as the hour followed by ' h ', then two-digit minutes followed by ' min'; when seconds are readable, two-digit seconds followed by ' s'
12 h 08 min
